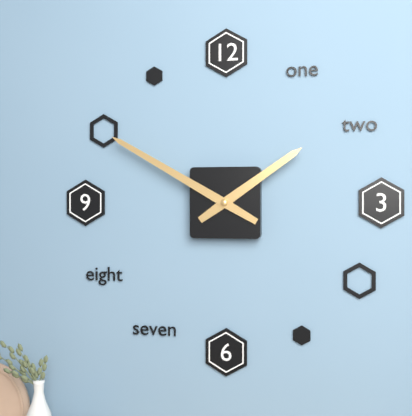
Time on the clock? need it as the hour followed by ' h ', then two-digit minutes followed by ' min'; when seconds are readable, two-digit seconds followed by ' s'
1 h 50 min
